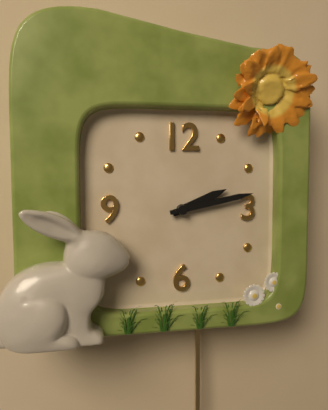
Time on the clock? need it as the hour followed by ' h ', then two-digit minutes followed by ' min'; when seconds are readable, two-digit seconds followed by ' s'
2 h 13 min
